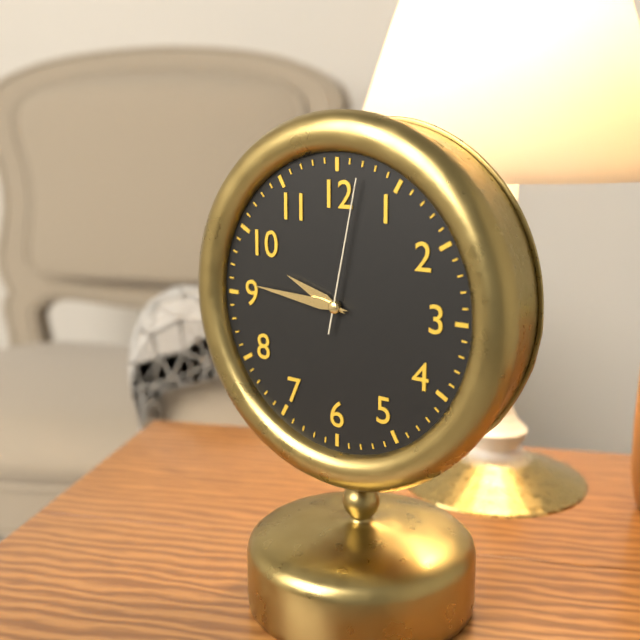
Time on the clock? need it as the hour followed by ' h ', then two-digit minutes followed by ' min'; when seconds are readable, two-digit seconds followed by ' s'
9 h 46 min 02 s
